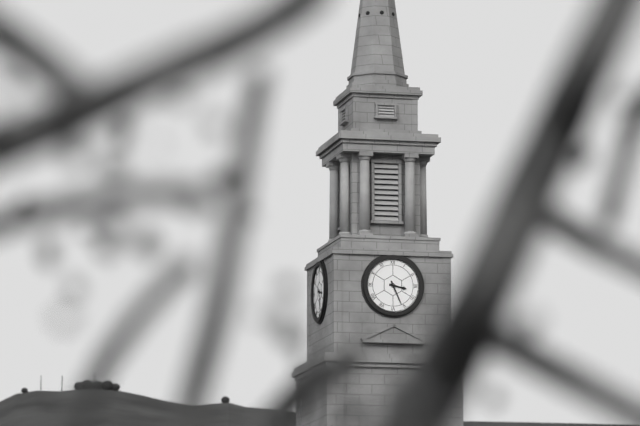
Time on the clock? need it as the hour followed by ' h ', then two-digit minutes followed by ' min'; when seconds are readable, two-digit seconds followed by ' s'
3 h 26 min
